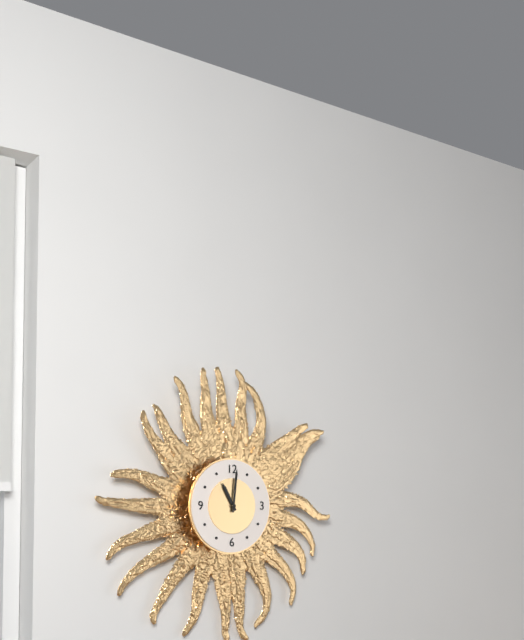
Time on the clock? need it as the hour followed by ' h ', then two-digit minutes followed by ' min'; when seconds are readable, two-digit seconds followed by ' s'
11 h 01 min
